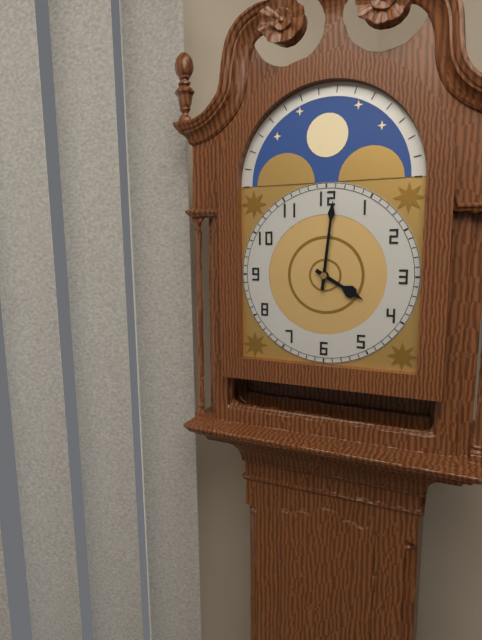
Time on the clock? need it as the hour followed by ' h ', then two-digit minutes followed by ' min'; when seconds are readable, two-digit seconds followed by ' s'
4 h 01 min
